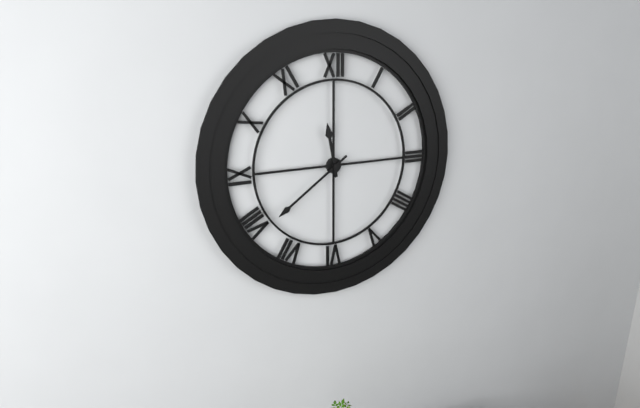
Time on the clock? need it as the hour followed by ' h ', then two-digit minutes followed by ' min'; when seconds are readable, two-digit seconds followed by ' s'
11 h 39 min
